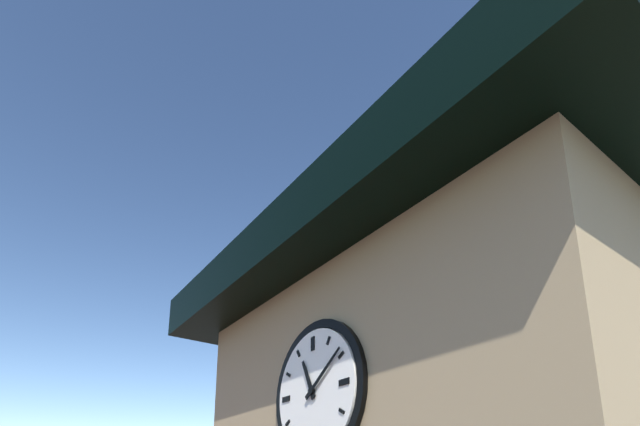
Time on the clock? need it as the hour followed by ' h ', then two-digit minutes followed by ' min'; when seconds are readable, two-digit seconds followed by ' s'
11 h 09 min
